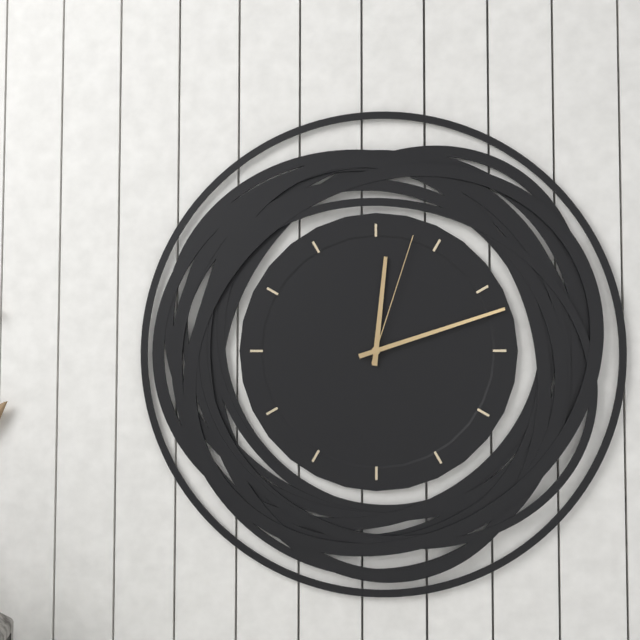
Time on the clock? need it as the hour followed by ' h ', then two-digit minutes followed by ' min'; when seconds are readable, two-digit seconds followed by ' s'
12 h 12 min 03 s
